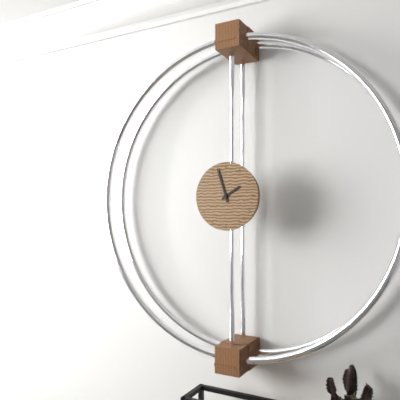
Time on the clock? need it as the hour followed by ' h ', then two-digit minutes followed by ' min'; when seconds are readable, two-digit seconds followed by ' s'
1 h 57 min
